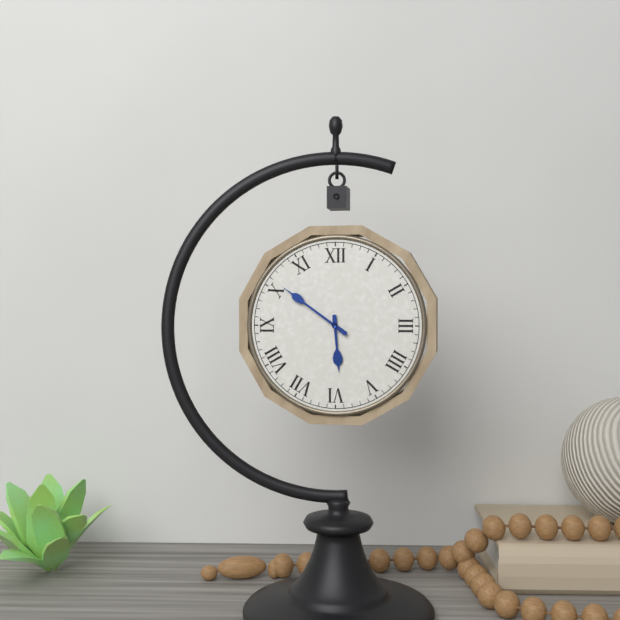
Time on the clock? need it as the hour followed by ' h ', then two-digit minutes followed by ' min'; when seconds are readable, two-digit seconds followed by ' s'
5 h 51 min
